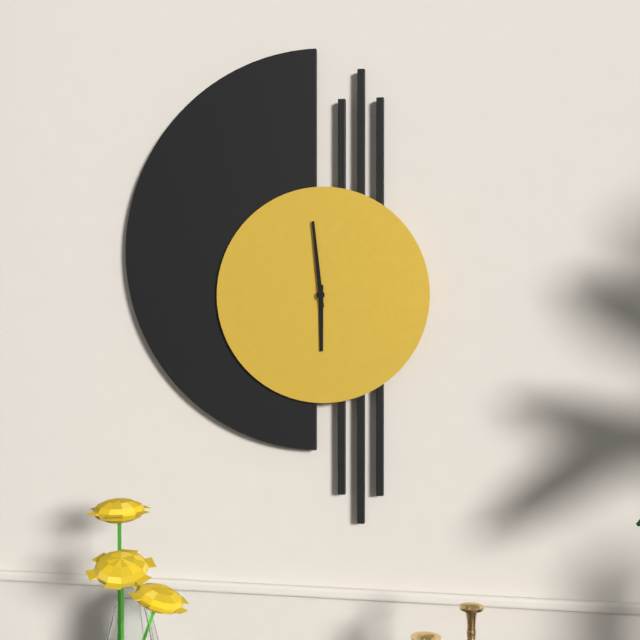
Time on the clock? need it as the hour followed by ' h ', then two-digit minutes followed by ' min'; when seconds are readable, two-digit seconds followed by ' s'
5 h 59 min
